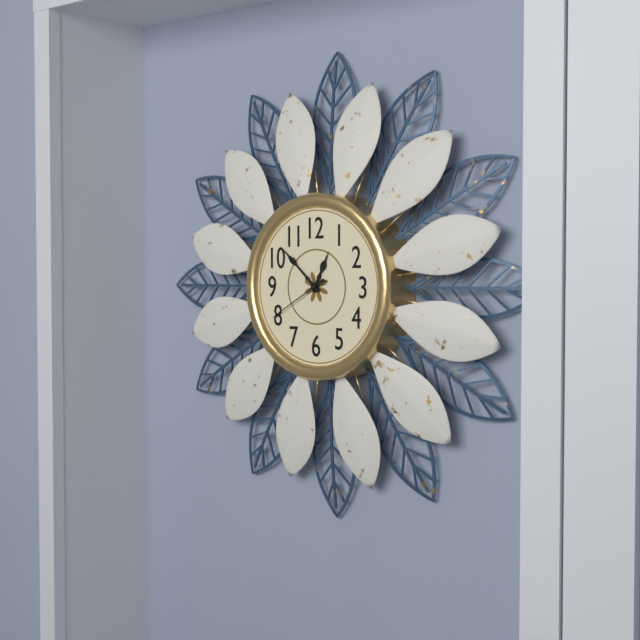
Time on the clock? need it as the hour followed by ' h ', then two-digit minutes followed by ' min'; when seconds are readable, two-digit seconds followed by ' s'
12 h 52 min 40 s
